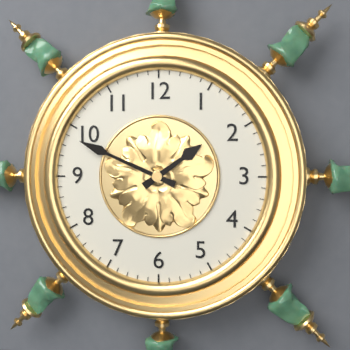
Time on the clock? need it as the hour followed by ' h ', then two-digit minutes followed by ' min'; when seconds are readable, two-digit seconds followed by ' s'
1 h 49 min
